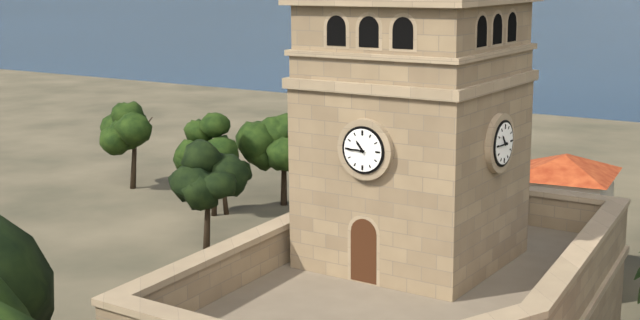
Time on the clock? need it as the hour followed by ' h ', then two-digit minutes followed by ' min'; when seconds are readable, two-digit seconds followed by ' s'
10 h 45 min
